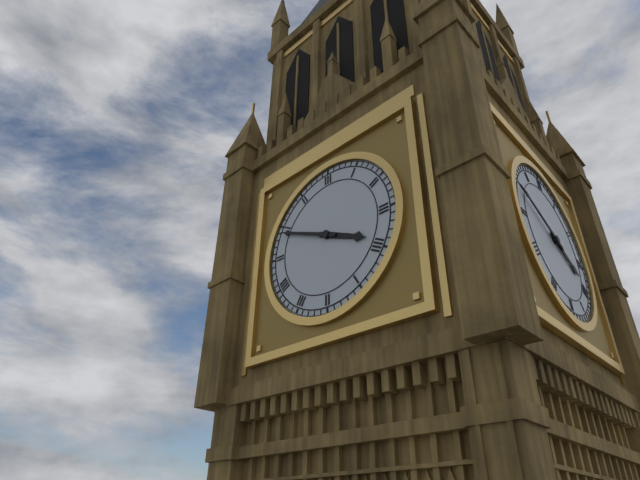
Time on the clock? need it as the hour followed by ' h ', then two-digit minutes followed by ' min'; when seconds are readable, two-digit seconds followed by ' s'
3 h 49 min
